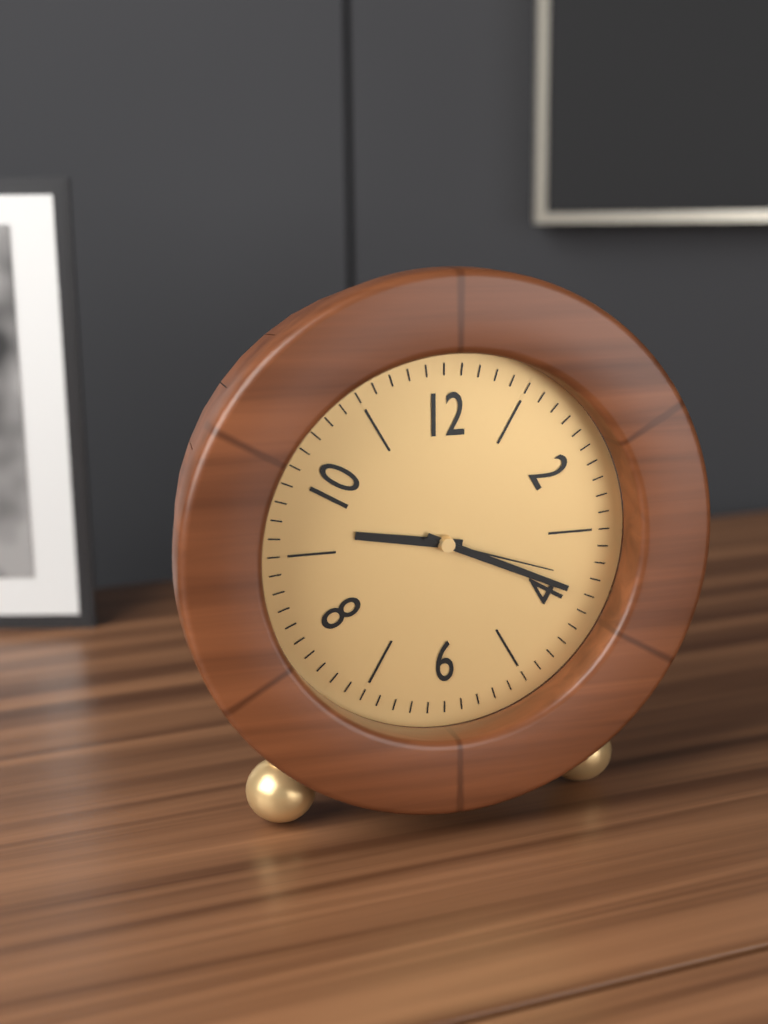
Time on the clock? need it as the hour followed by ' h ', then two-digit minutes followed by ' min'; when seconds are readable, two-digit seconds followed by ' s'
9 h 19 min 18 s
